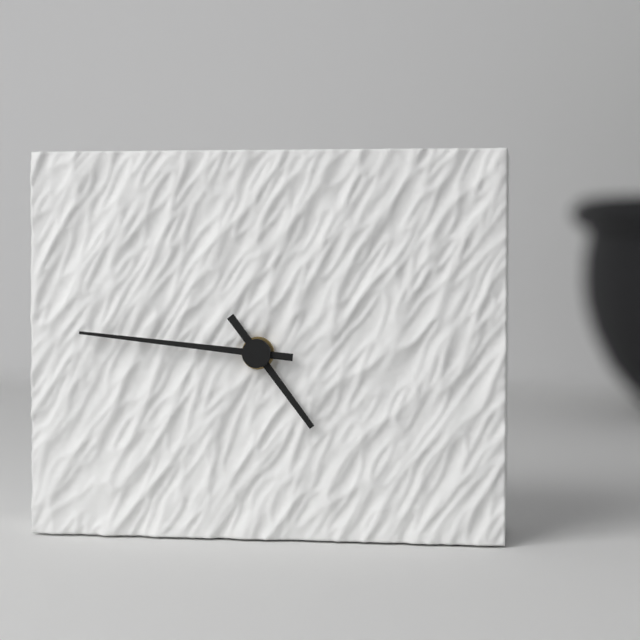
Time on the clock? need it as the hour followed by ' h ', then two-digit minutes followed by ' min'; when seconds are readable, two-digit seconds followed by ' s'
4 h 46 min
